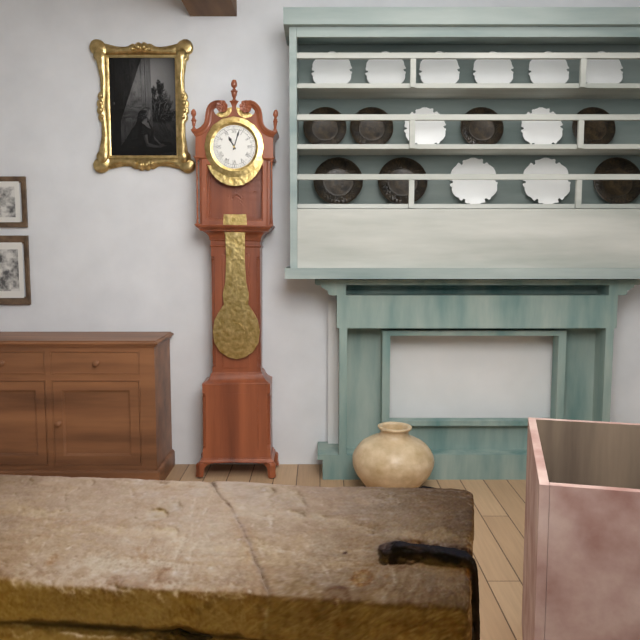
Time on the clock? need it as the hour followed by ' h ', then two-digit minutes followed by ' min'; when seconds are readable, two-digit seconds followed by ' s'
11 h 03 min
